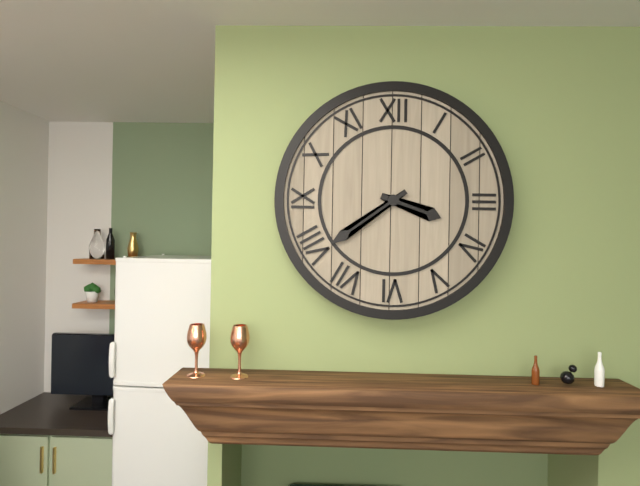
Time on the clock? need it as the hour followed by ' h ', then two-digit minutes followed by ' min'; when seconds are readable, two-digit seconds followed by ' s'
3 h 39 min
